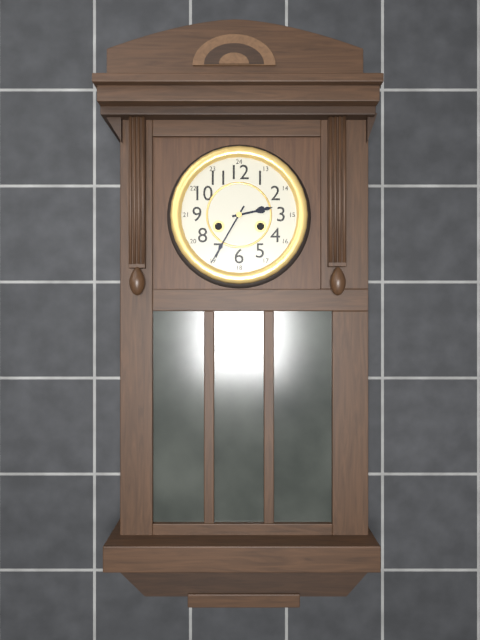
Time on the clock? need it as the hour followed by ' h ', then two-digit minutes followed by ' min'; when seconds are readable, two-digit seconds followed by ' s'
2 h 35 min
